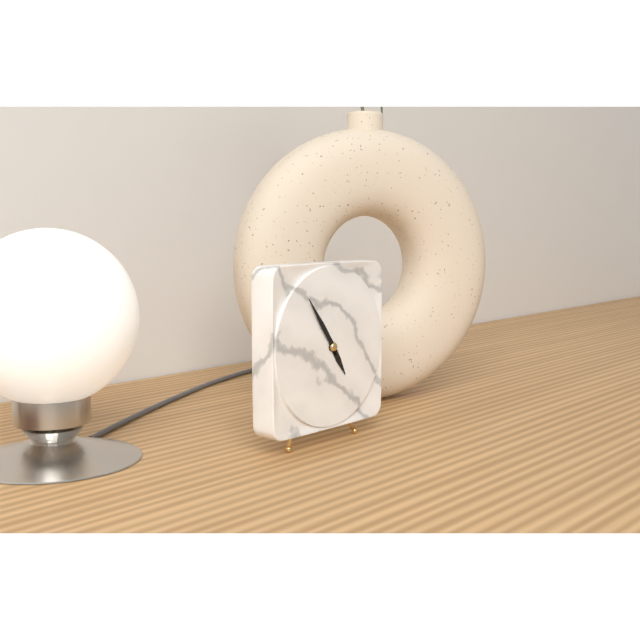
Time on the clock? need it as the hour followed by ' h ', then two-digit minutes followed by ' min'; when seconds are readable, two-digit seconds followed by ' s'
4 h 54 min
